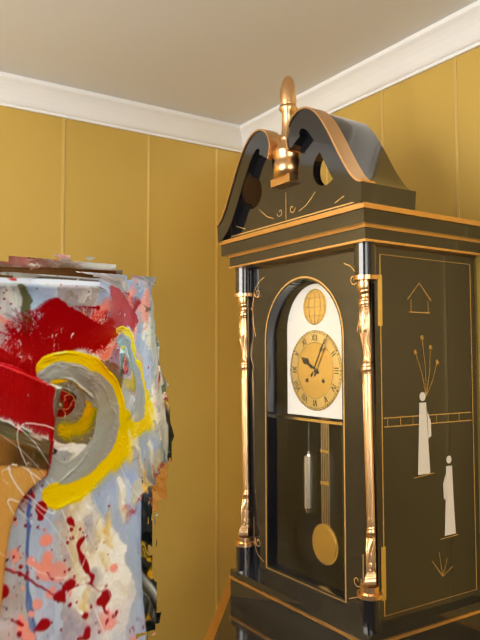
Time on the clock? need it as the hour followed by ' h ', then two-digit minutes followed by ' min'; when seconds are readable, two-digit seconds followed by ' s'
10 h 05 min
